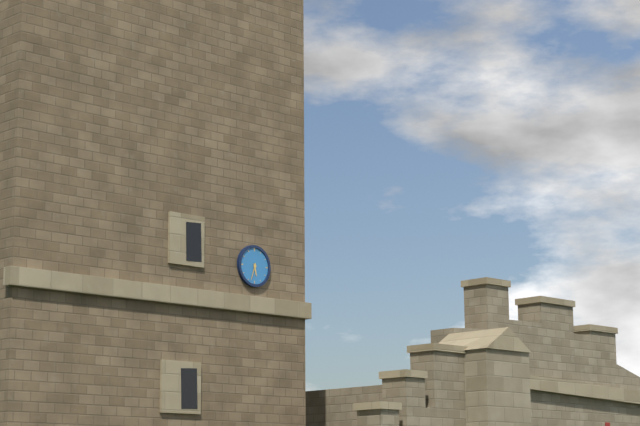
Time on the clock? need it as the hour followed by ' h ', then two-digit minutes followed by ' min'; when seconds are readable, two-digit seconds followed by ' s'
5 h 33 min
